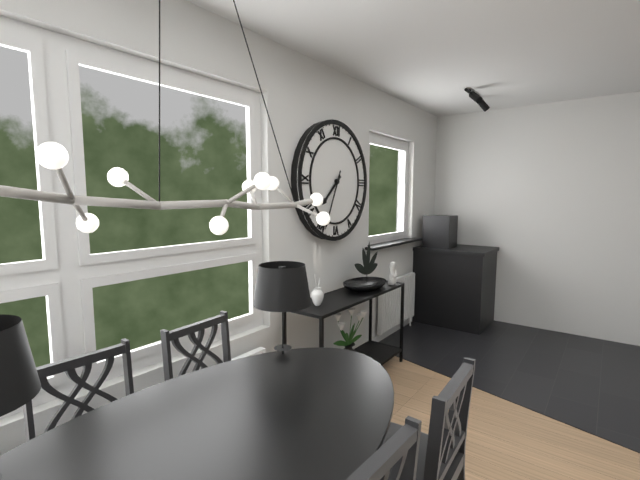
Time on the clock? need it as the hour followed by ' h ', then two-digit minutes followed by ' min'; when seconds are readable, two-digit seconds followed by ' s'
7 h 34 min
